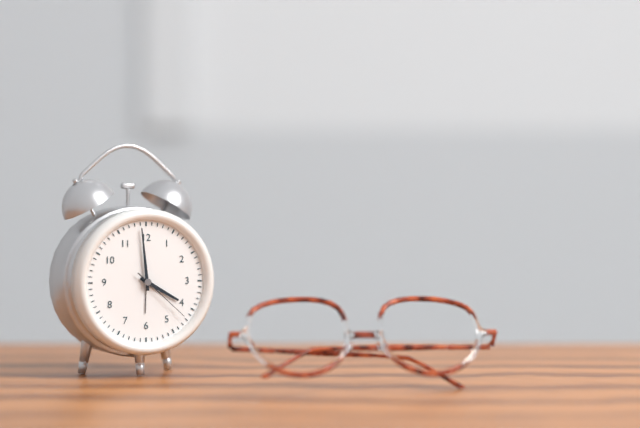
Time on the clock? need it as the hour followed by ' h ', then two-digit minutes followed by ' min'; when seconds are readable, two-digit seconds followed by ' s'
3 h 59 min 22 s
